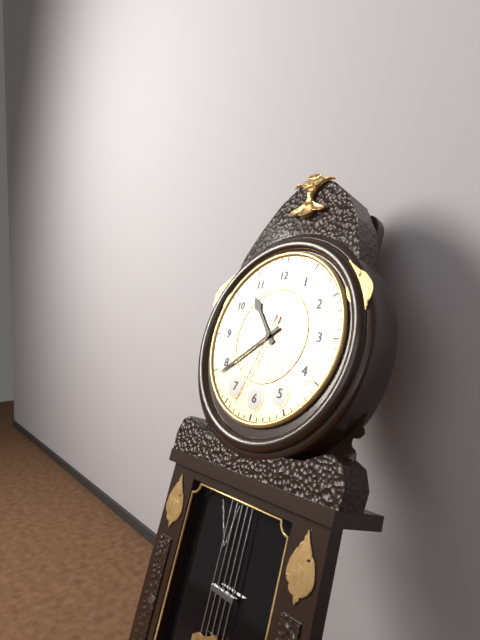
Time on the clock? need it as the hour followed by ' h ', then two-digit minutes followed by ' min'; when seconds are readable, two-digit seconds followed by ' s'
10 h 39 min 33 s
